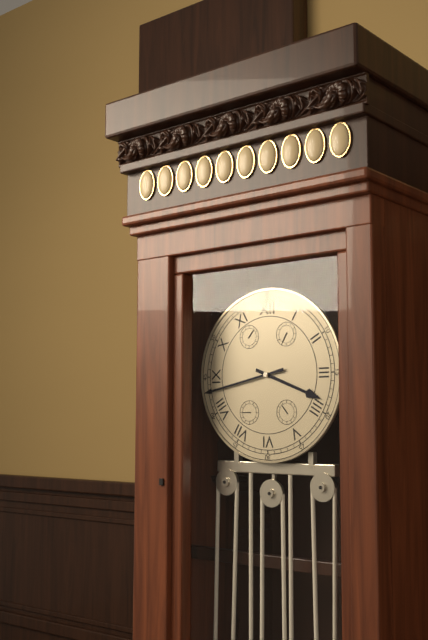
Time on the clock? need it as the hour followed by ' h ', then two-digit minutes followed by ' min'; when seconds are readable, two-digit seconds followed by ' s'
3 h 43 min
